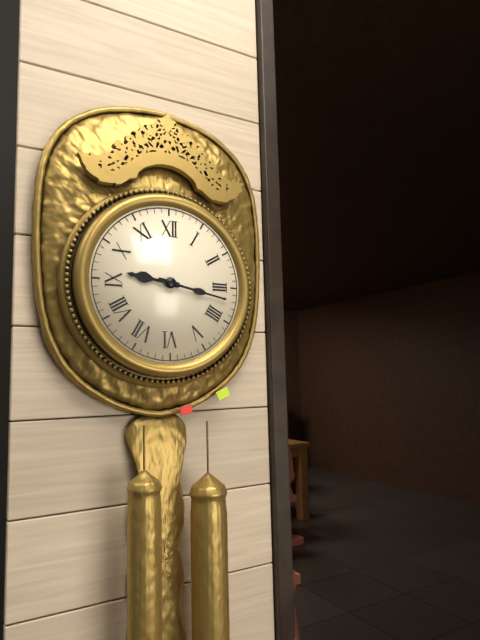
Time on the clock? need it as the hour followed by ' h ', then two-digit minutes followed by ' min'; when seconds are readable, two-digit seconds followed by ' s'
9 h 17 min
